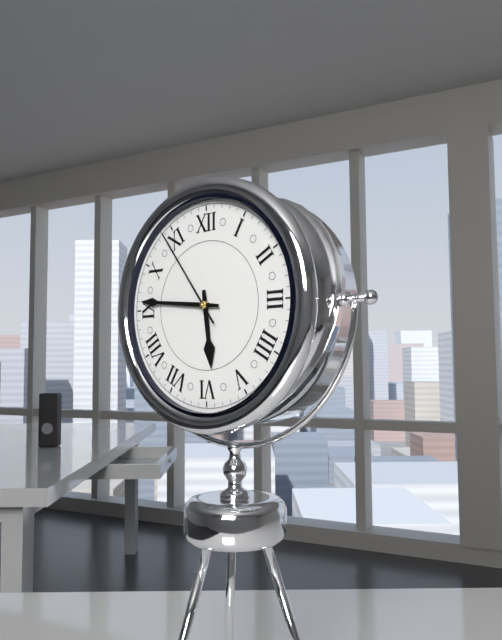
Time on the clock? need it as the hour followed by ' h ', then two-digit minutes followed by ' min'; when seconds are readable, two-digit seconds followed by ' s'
5 h 46 min 54 s
